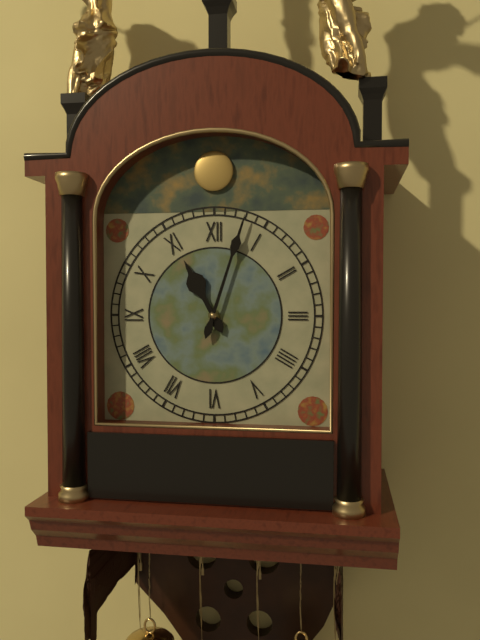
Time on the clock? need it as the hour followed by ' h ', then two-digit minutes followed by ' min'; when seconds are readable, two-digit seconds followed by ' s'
11 h 03 min
